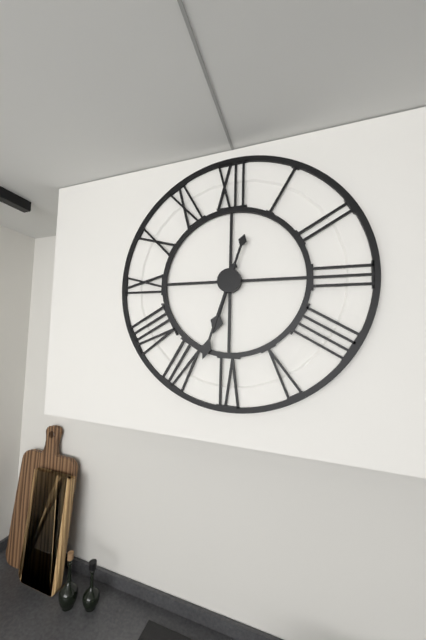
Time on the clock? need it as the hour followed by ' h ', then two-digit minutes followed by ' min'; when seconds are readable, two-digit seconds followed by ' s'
6 h 33 min
